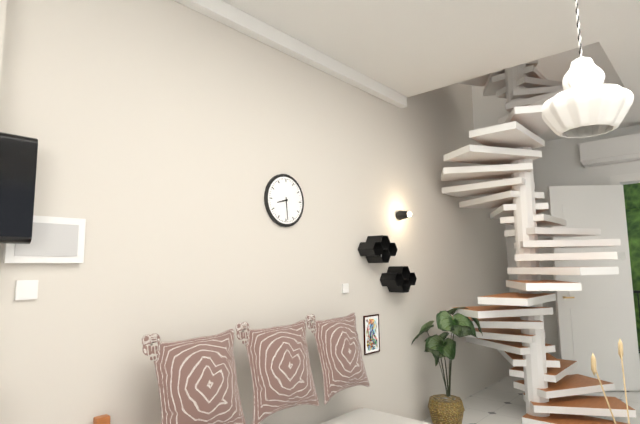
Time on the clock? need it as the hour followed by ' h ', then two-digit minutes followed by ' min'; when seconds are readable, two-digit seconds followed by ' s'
8 h 29 min
